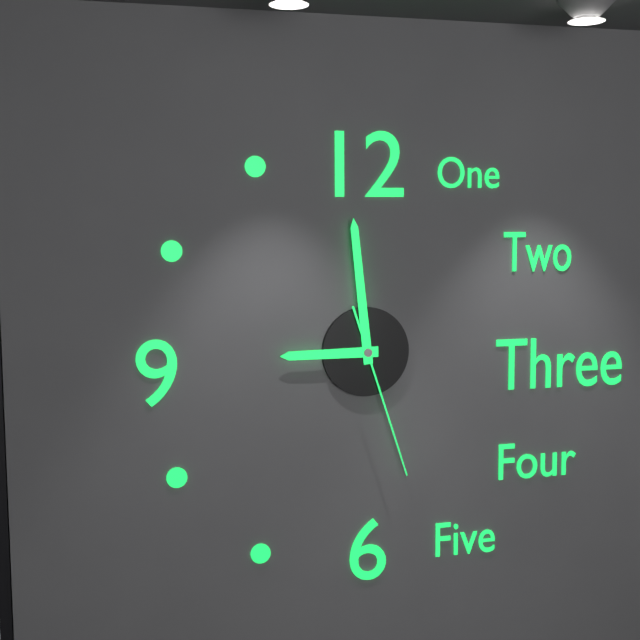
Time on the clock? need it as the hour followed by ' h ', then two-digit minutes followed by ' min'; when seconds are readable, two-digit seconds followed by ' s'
8 h 59 min 27 s
